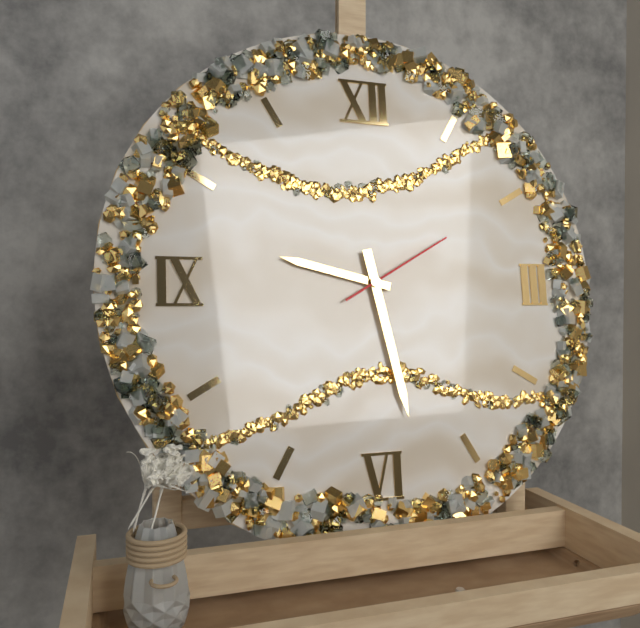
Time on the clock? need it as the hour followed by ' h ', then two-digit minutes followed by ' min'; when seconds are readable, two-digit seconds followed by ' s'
9 h 28 min 10 s
